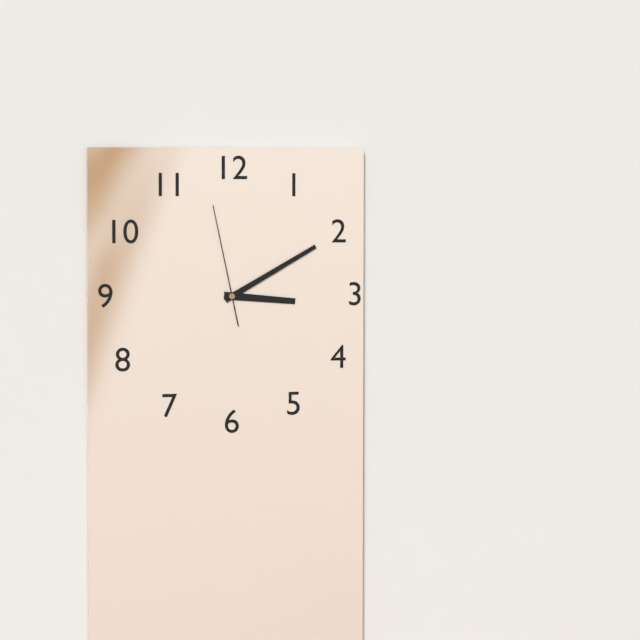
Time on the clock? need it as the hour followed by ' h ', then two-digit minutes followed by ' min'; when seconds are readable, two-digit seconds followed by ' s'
3 h 10 min 58 s
